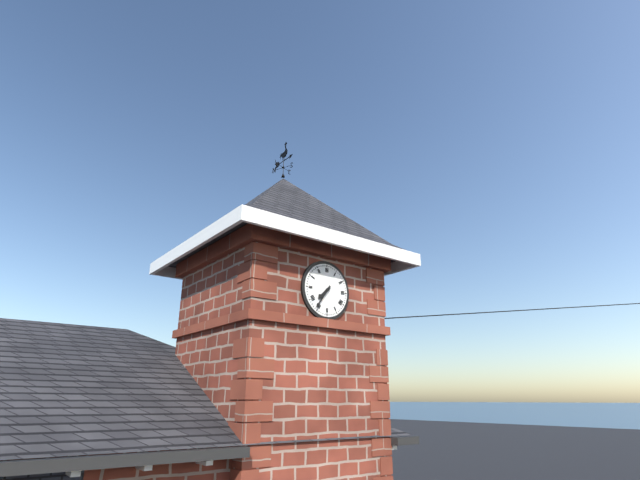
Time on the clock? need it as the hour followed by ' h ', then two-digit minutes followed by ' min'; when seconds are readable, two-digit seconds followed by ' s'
7 h 36 min
